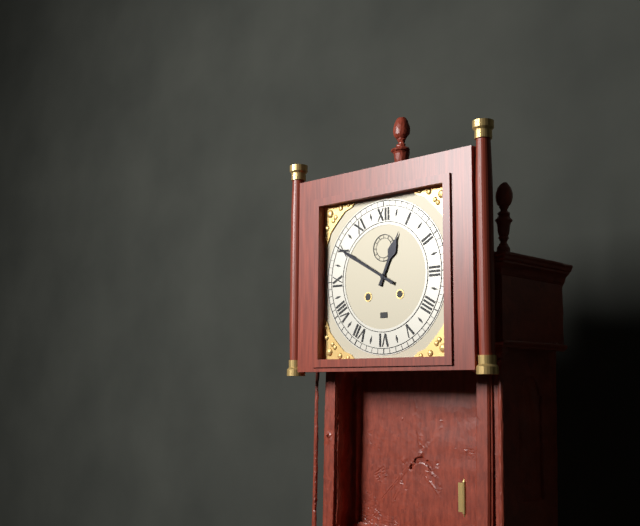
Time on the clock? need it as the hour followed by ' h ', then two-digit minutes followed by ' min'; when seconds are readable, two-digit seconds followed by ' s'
12 h 50 min
